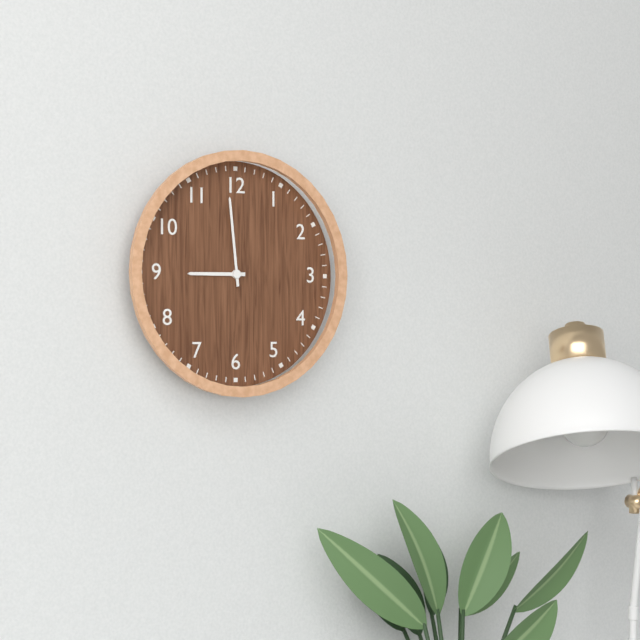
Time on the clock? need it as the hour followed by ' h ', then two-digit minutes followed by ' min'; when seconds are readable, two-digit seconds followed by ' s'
8 h 59 min
